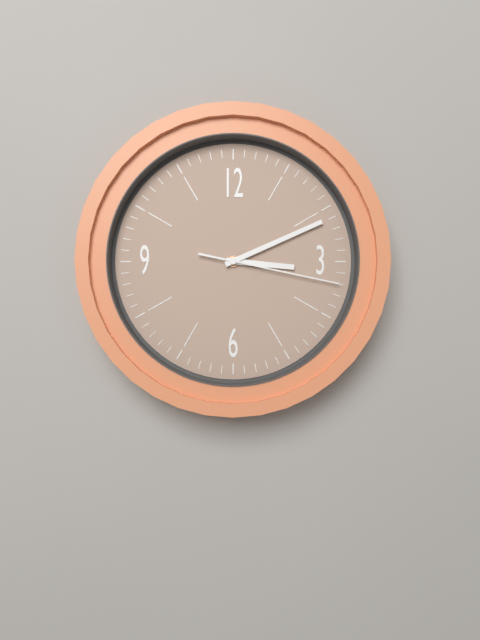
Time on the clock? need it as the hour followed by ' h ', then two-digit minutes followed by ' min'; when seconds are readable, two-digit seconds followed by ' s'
3 h 11 min 17 s
